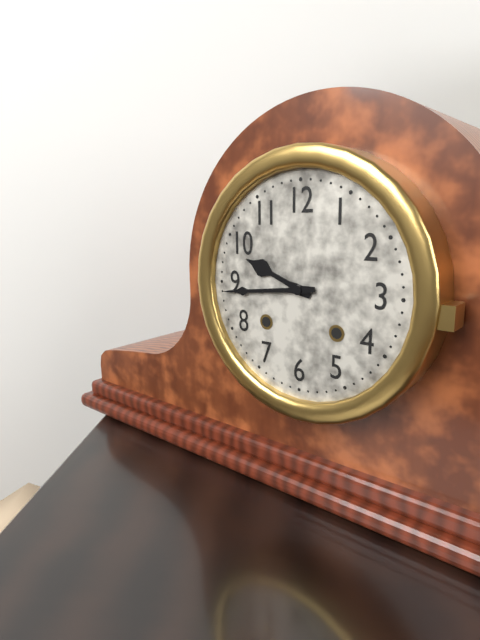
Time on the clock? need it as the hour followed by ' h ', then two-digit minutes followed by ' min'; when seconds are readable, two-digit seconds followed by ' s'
9 h 44 min
